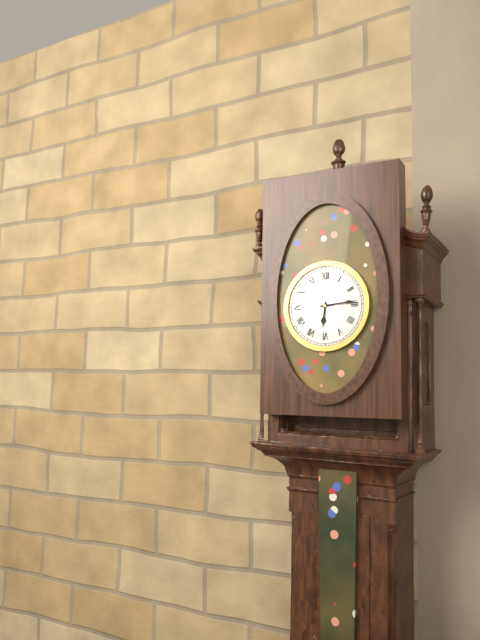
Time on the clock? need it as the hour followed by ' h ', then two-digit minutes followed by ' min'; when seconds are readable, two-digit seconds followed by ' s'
6 h 14 min
